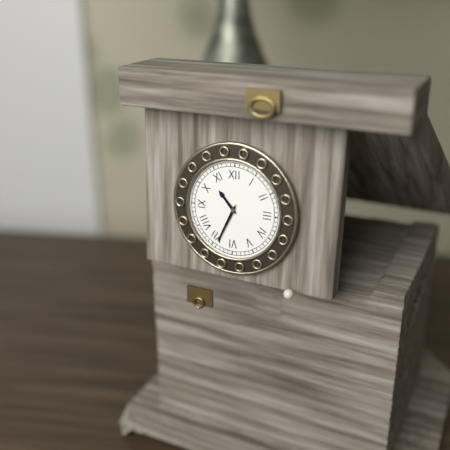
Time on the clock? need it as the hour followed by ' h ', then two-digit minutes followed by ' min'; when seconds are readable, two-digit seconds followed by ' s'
10 h 34 min
